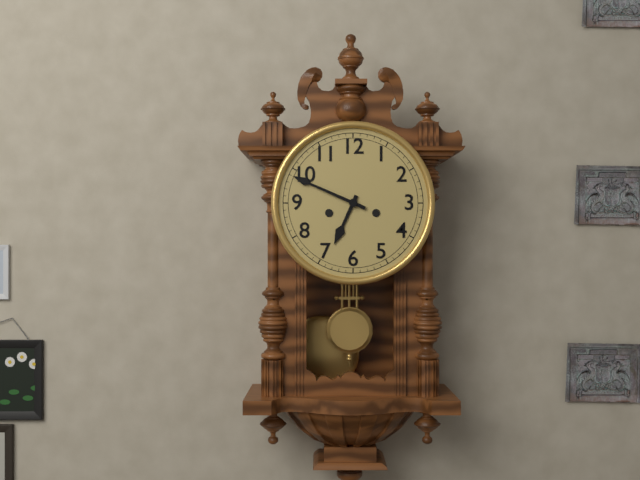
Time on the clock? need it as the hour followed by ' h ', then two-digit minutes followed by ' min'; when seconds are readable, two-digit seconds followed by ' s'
6 h 49 min
